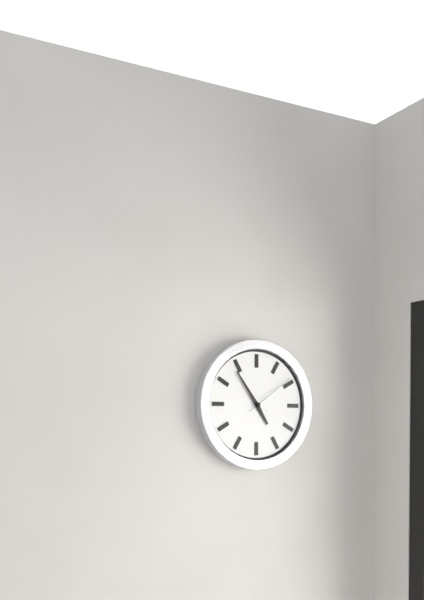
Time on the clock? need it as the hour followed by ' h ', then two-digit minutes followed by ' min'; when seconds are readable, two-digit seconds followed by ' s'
4 h 54 min 09 s
